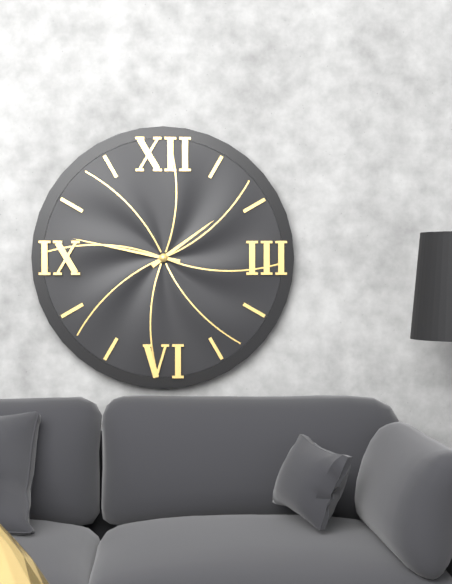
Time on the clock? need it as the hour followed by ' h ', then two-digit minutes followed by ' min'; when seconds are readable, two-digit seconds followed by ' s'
1 h 47 min
